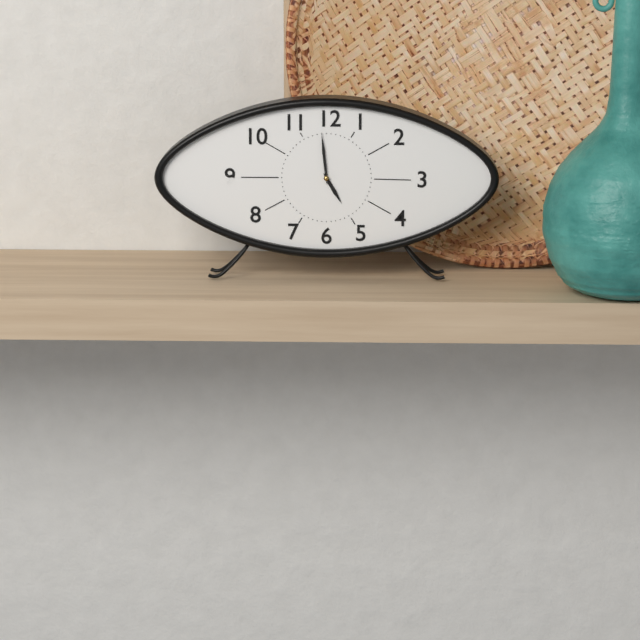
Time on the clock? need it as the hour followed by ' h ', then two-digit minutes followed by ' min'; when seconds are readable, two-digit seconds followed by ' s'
4 h 59 min
